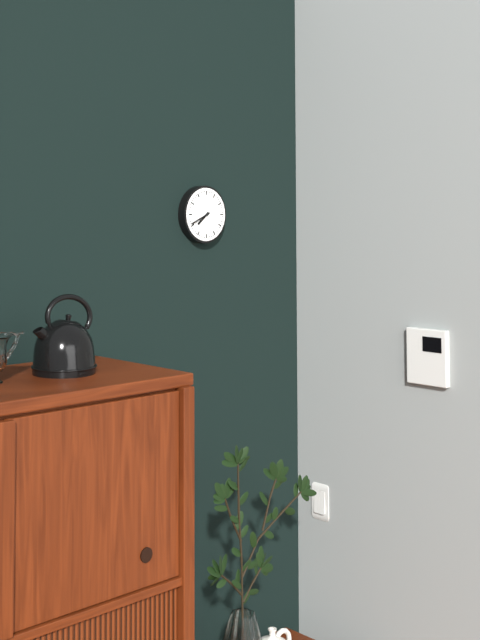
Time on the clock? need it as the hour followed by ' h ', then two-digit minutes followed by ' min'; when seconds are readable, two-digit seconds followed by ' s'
7 h 41 min
